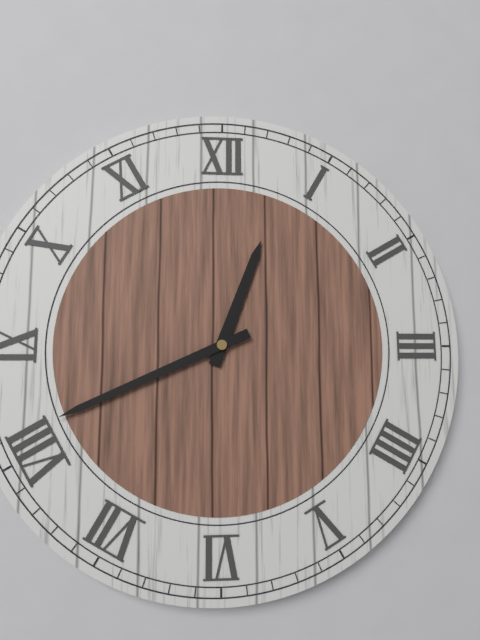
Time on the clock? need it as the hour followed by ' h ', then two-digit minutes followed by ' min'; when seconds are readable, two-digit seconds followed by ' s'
12 h 41 min
